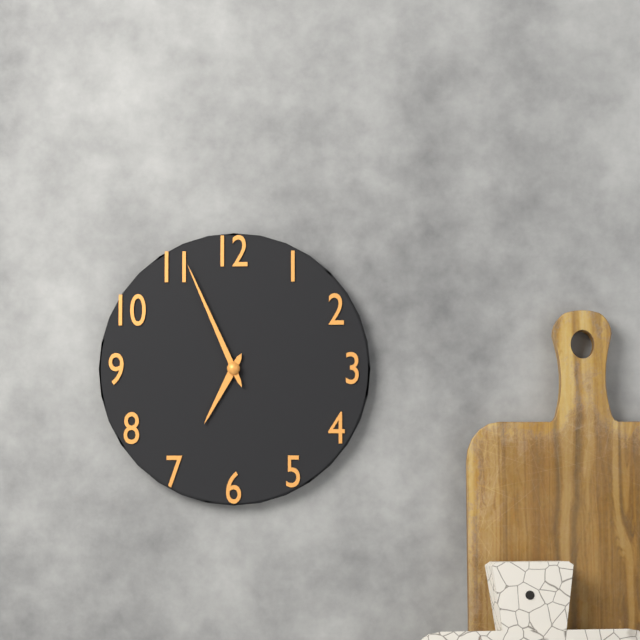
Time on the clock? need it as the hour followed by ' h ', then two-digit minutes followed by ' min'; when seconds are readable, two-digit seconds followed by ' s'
6 h 56 min
